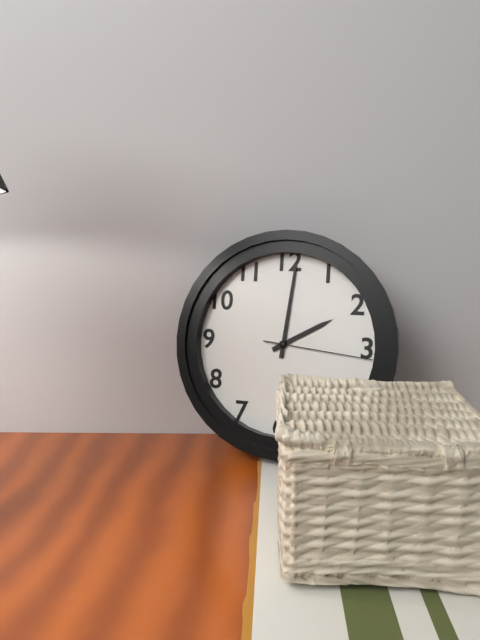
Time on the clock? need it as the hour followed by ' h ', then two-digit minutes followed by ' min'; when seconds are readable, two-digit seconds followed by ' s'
2 h 01 min 16 s
